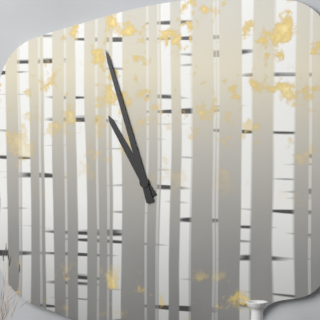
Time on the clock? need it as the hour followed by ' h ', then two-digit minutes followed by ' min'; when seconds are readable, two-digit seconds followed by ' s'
10 h 57 min
